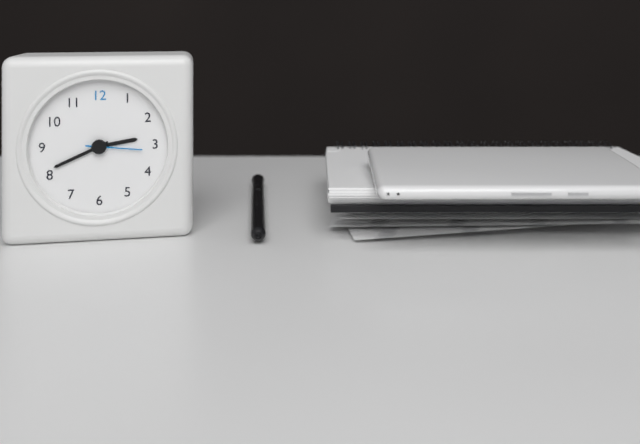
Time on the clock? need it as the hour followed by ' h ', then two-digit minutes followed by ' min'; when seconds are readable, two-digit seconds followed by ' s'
2 h 41 min 16 s
